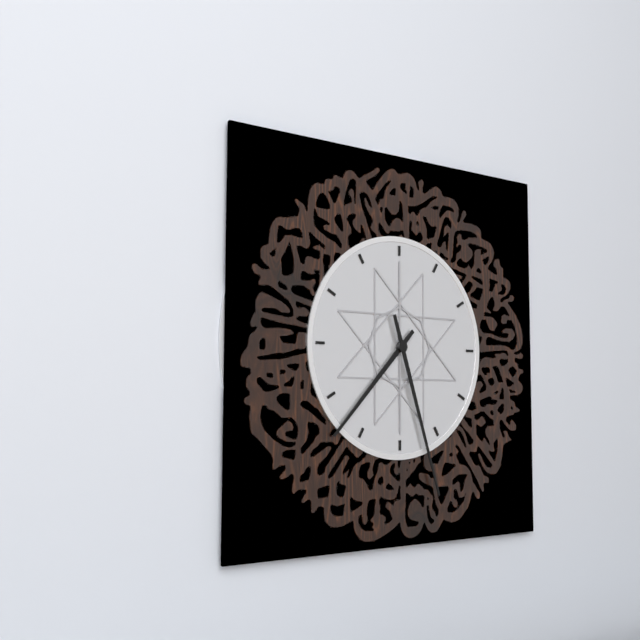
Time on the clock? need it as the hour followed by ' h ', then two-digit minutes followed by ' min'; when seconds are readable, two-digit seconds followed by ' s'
7 h 27 min
